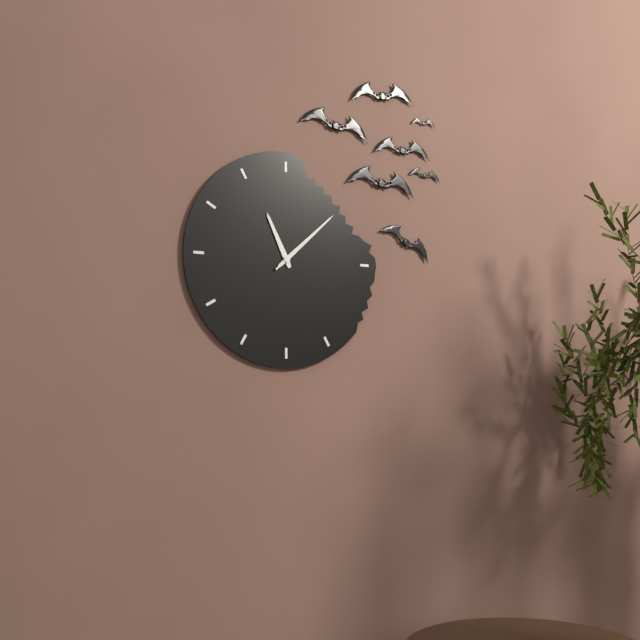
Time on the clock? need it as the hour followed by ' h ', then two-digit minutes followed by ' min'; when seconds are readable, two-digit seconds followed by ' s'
11 h 08 min 08 s
